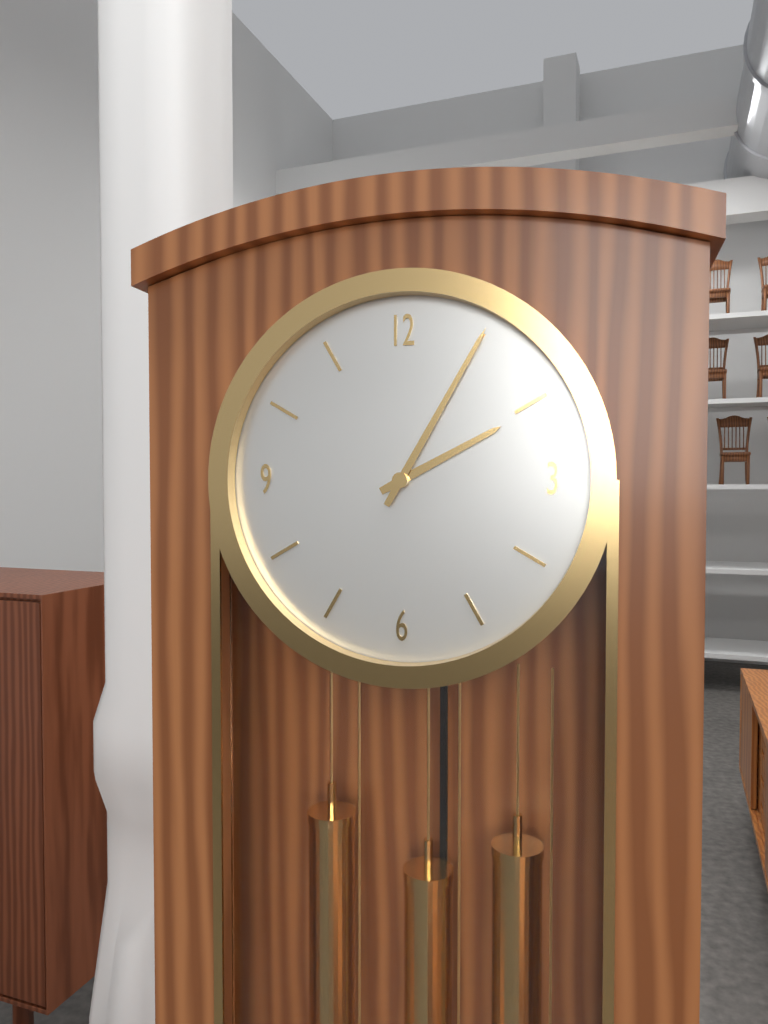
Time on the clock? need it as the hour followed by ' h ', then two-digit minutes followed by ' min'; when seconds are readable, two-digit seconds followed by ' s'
2 h 05 min
